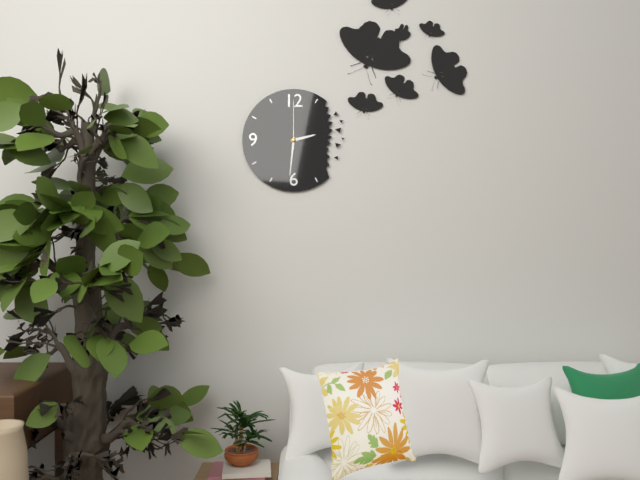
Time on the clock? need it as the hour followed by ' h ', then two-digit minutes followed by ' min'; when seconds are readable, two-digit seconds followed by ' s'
2 h 31 min 00 s
